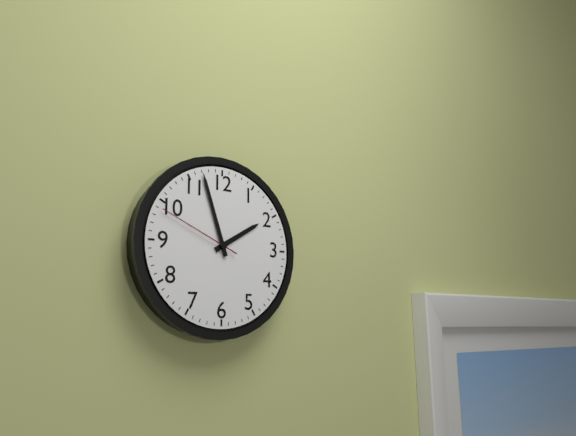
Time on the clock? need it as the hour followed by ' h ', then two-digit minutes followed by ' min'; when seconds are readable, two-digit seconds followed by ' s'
1 h 57 min 49 s
